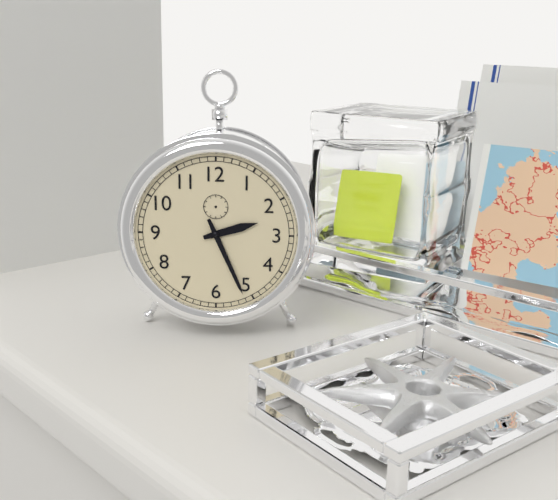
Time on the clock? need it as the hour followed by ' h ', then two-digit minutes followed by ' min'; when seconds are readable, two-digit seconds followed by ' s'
2 h 26 min
